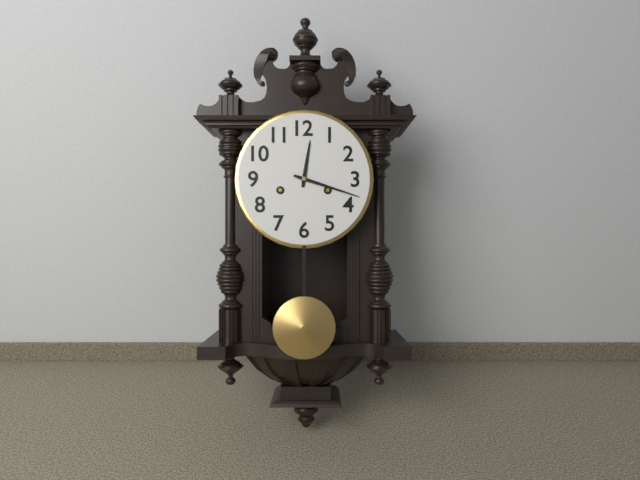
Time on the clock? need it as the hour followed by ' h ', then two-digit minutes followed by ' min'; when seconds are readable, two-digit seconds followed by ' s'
12 h 18 min
